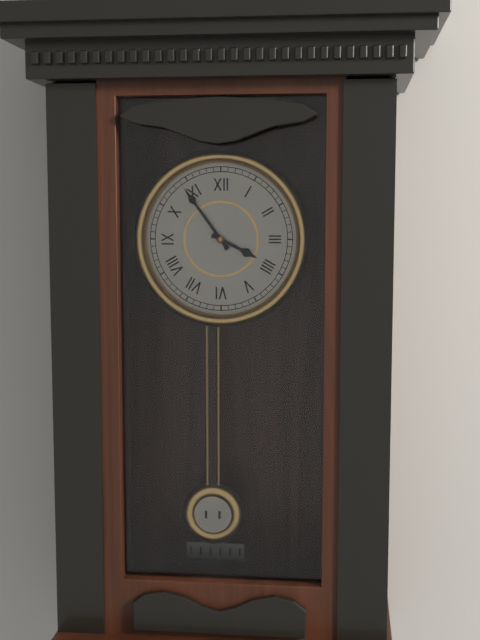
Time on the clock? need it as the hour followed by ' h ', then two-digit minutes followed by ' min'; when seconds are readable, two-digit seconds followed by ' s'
3 h 54 min
